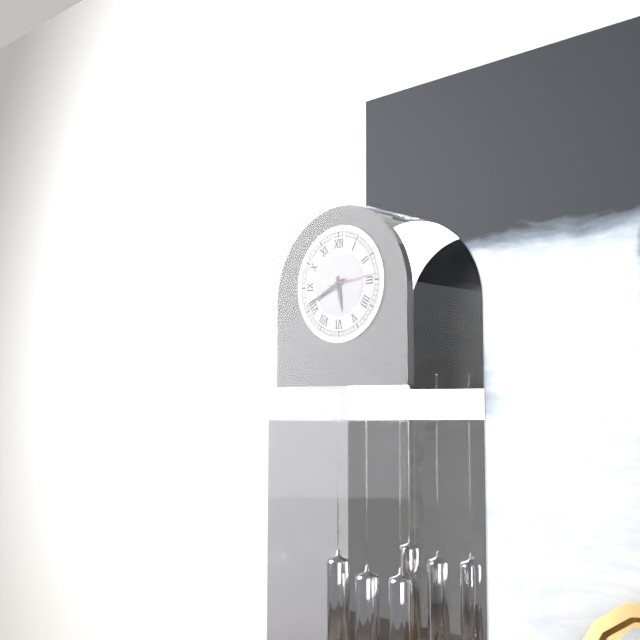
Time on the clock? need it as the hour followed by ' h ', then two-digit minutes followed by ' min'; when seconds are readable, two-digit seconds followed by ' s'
5 h 41 min
